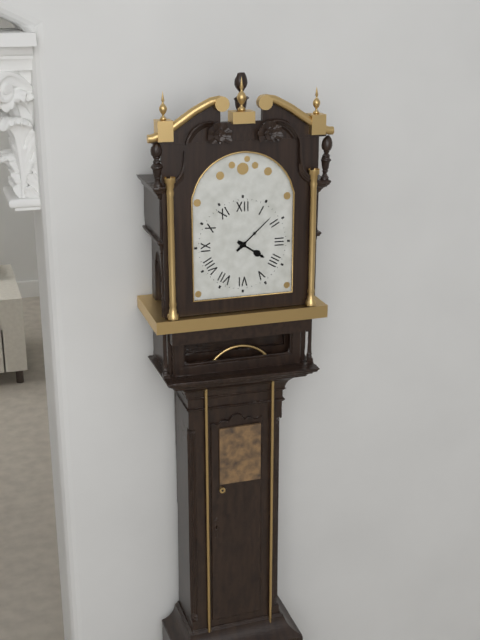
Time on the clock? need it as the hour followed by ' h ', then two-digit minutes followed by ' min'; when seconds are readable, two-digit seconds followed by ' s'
4 h 08 min
